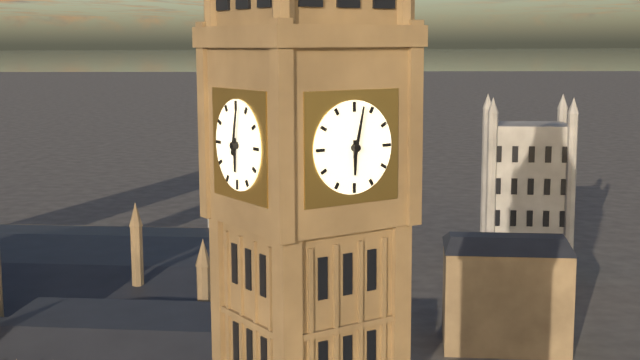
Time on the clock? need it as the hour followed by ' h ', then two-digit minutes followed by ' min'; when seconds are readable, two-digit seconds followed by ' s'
6 h 02 min
